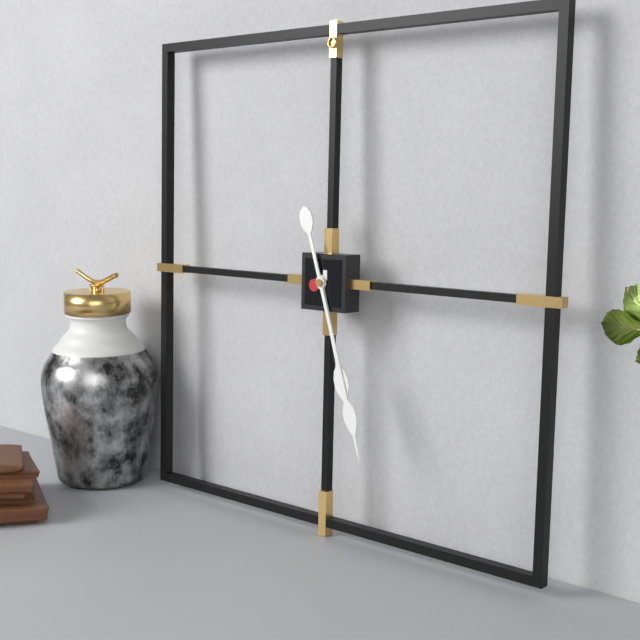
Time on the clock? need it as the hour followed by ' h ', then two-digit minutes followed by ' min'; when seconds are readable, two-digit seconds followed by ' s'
5 h 27 min
